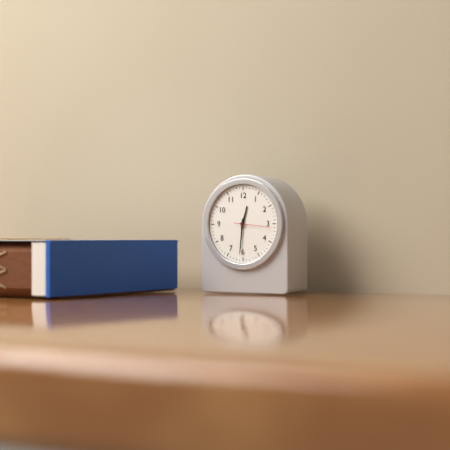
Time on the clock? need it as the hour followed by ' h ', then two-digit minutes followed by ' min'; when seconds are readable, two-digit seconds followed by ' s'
12 h 31 min
